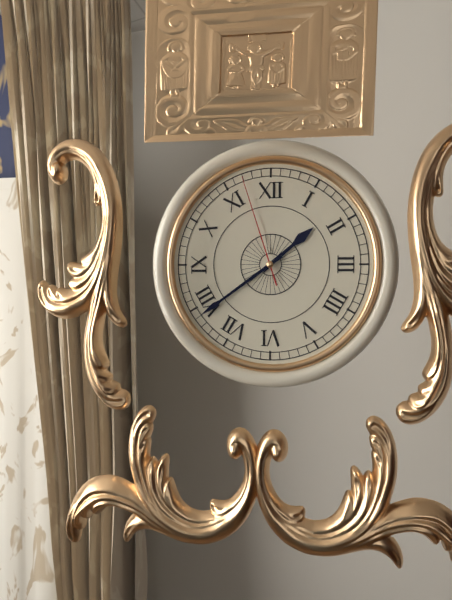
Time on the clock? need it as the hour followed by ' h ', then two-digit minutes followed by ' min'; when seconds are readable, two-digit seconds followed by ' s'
1 h 39 min 57 s
